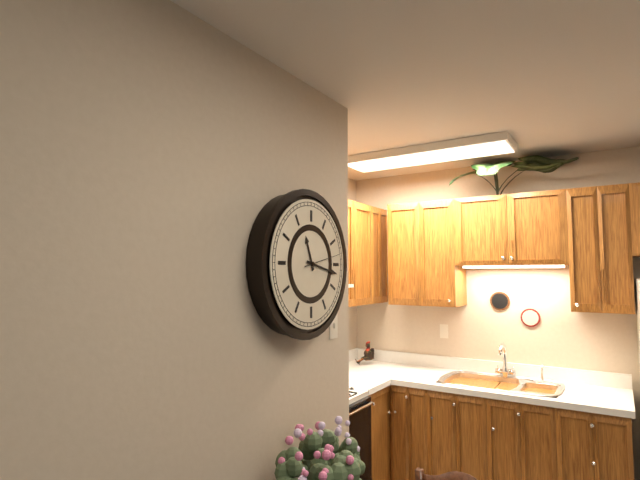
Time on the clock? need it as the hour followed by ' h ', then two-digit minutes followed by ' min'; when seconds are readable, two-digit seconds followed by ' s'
11 h 17 min
